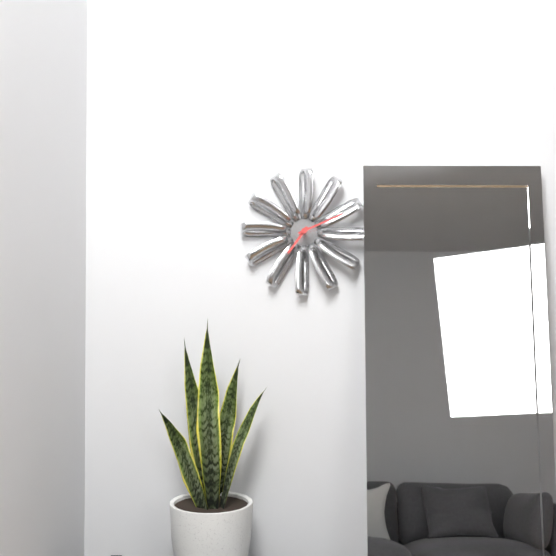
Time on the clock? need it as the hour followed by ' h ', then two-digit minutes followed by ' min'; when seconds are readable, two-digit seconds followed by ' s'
7 h 11 min
